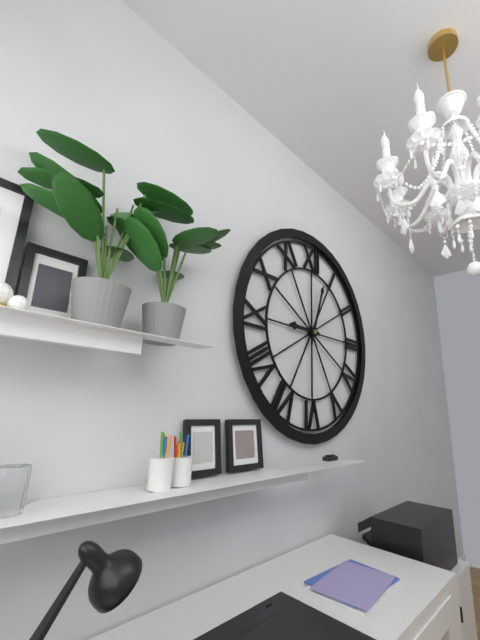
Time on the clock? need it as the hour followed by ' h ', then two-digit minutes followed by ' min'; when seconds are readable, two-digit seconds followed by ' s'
9 h 03 min
